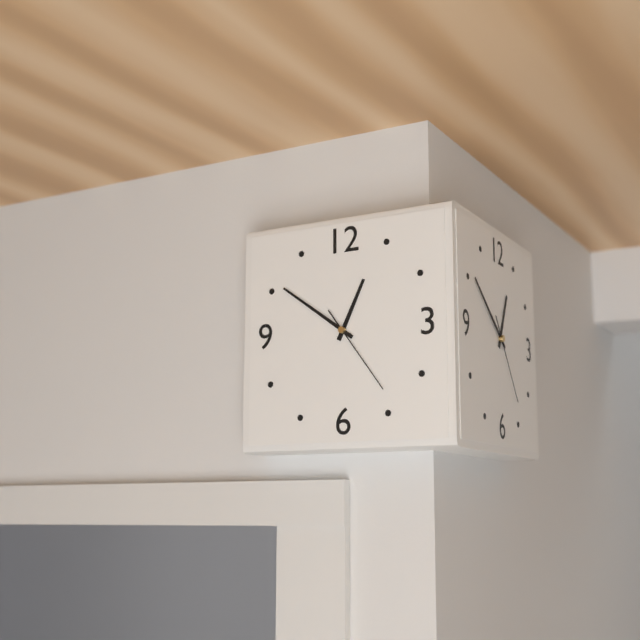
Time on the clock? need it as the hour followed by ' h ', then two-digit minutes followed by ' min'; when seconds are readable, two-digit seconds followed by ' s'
12 h 51 min 24 s
